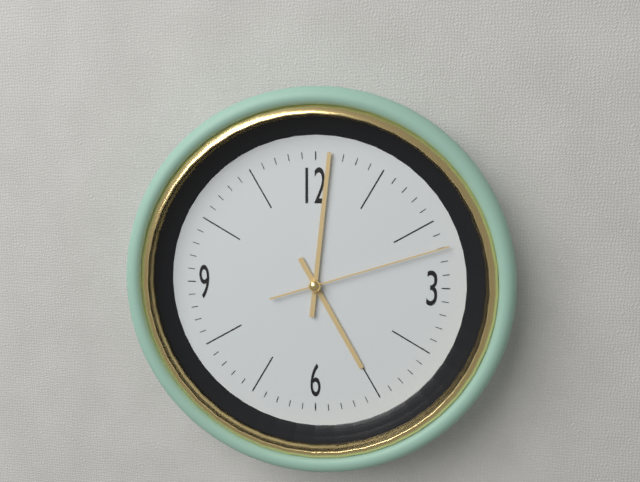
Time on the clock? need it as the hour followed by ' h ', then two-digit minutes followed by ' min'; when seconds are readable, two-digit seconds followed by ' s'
5 h 01 min 12 s
